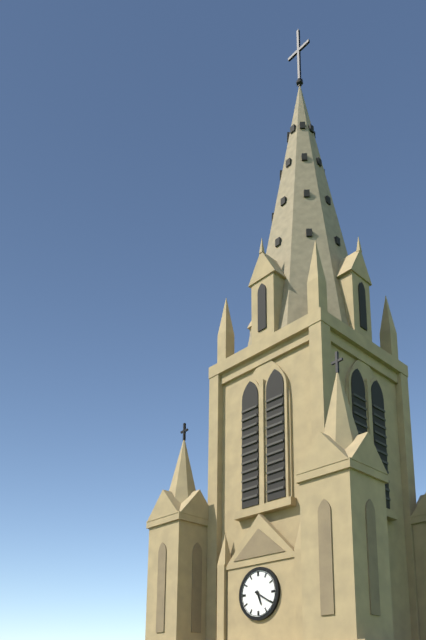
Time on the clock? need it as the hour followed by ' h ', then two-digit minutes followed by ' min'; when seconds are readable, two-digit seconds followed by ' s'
5 h 20 min
